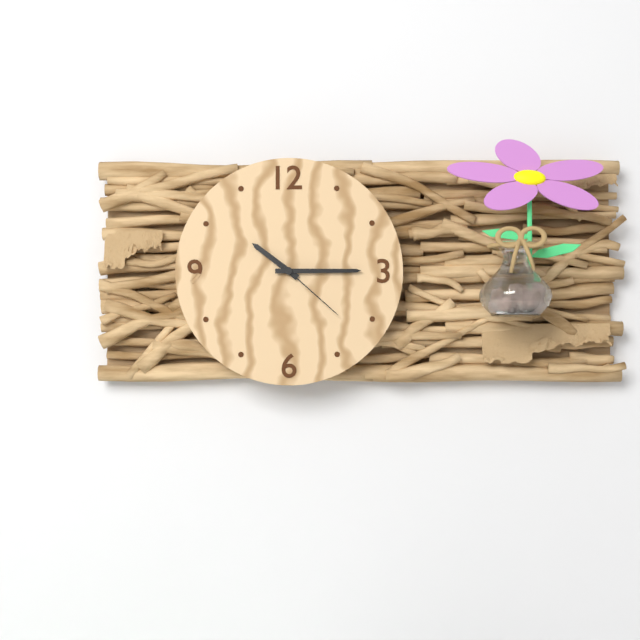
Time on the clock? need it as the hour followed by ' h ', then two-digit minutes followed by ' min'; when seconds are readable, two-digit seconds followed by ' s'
10 h 15 min 22 s
